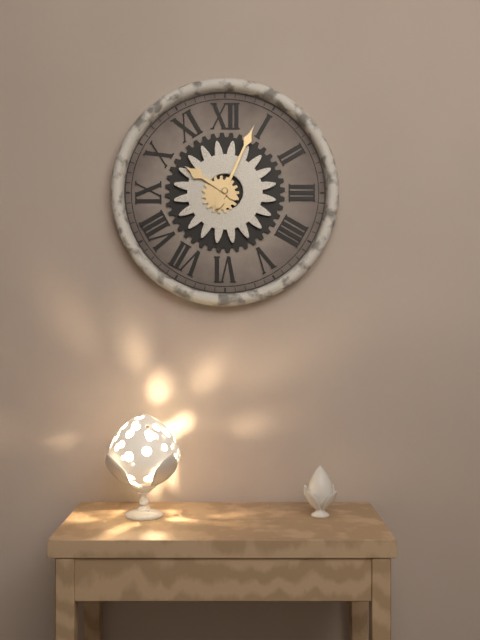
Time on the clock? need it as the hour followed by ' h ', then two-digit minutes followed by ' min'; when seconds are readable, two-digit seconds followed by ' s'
10 h 04 min
